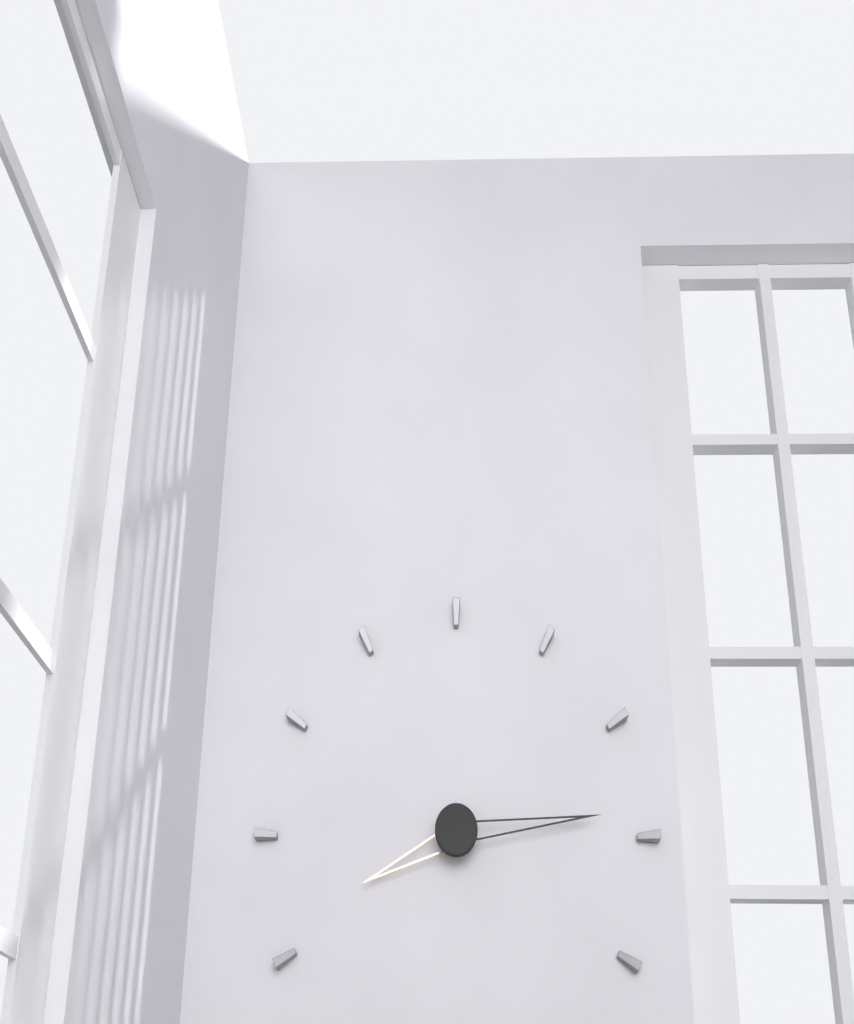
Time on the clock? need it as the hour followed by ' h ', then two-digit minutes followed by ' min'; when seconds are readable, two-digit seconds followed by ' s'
8 h 14 min
